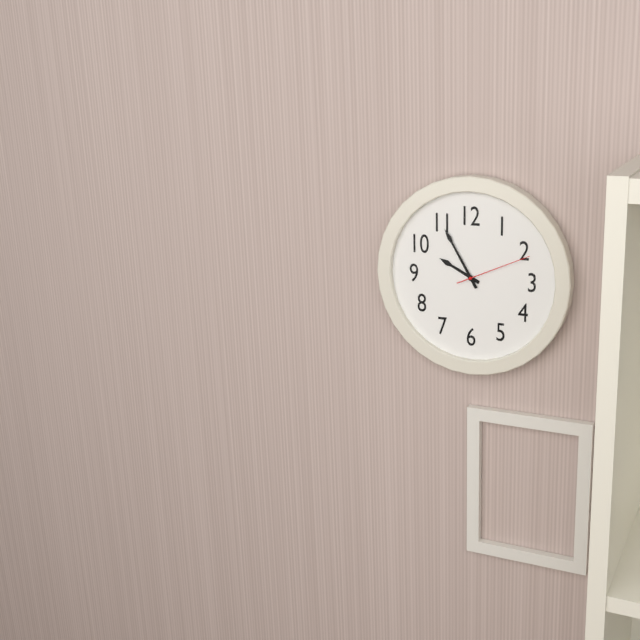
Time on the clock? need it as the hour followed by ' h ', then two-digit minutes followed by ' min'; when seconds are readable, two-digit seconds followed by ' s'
9 h 55 min 11 s
